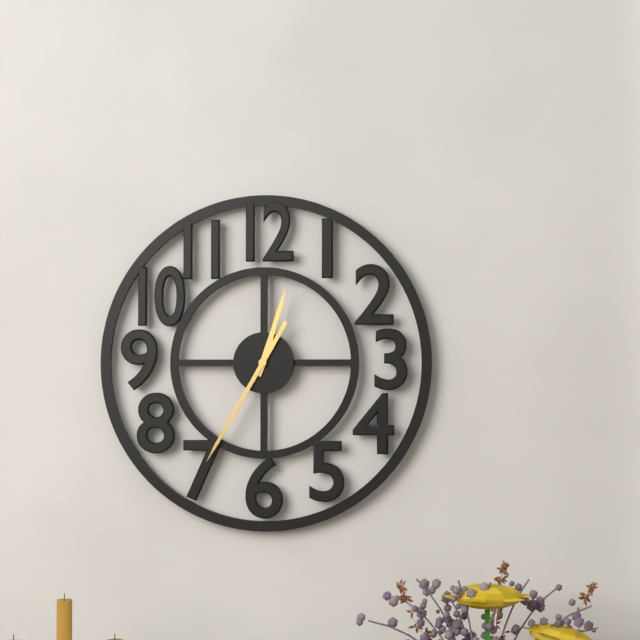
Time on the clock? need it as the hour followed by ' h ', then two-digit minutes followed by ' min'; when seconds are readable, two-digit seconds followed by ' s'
12 h 35 min
